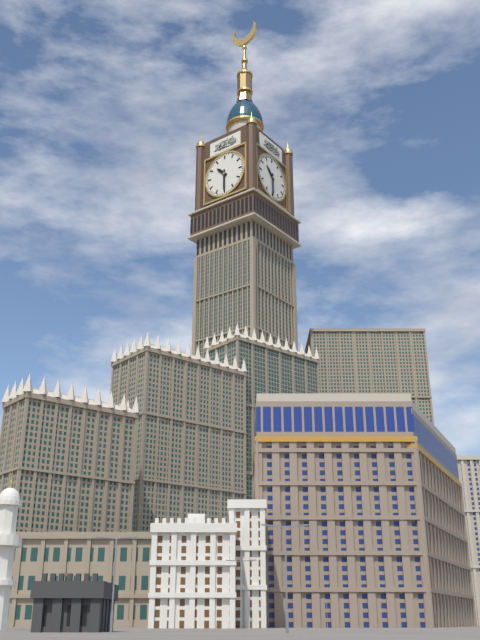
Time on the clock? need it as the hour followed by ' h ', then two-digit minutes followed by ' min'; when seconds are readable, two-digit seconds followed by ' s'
10 h 30 min
